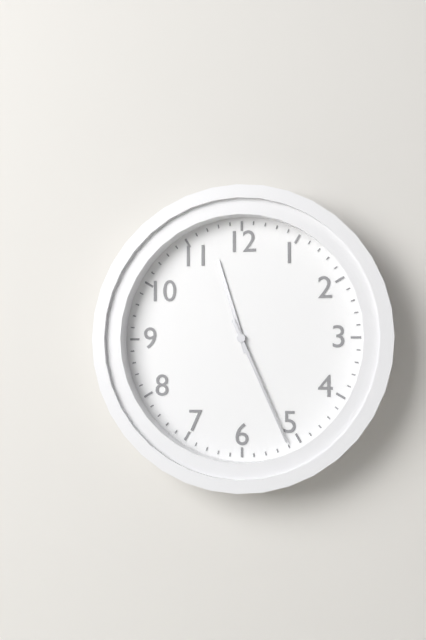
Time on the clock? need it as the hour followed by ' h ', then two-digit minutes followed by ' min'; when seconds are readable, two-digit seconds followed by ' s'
11 h 26 min
